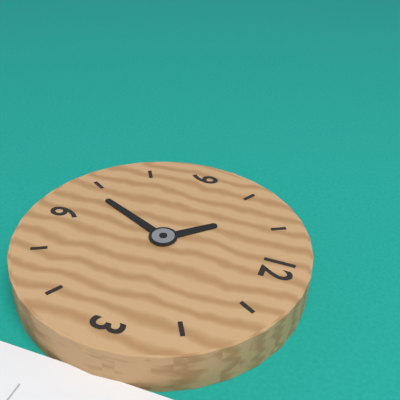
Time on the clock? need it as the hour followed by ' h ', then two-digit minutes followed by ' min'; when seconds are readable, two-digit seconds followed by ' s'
10 h 34 min
